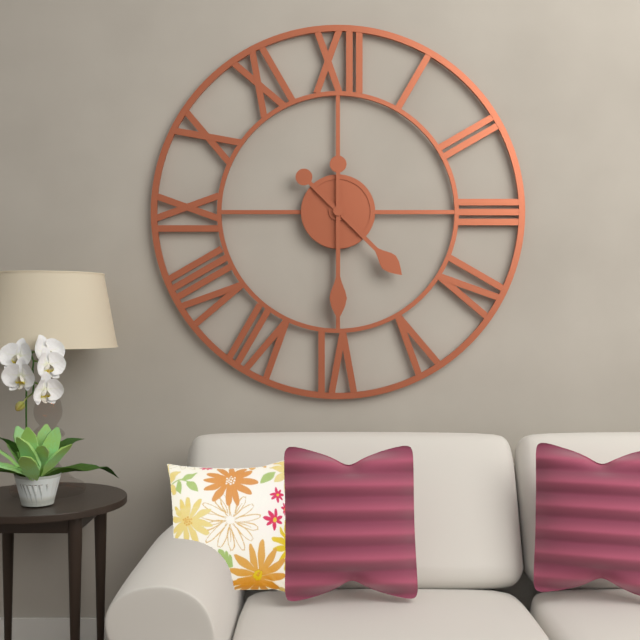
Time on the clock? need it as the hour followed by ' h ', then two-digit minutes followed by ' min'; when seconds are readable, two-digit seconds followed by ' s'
4 h 30 min
